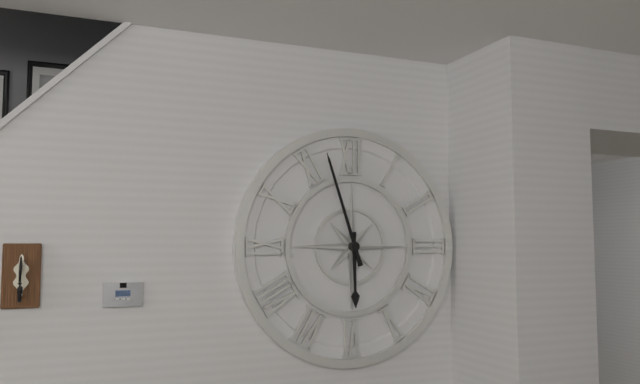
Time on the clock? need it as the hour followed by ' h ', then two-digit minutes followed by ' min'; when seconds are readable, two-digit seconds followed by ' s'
5 h 57 min
